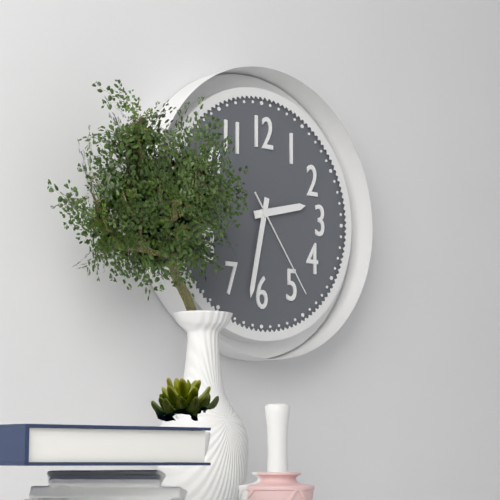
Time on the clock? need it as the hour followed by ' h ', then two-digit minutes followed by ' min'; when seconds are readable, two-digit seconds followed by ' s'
2 h 32 min 24 s
